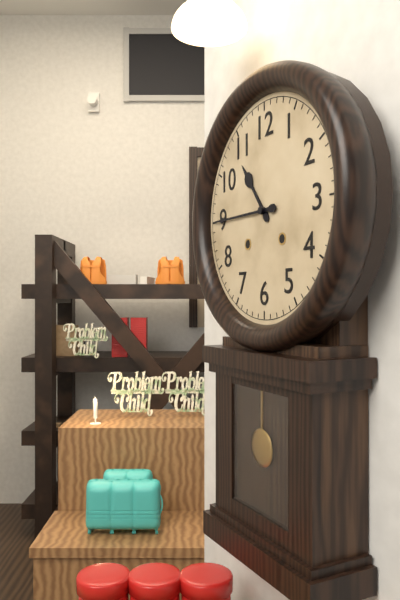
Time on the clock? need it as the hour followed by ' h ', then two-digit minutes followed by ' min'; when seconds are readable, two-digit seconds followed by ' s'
10 h 45 min
